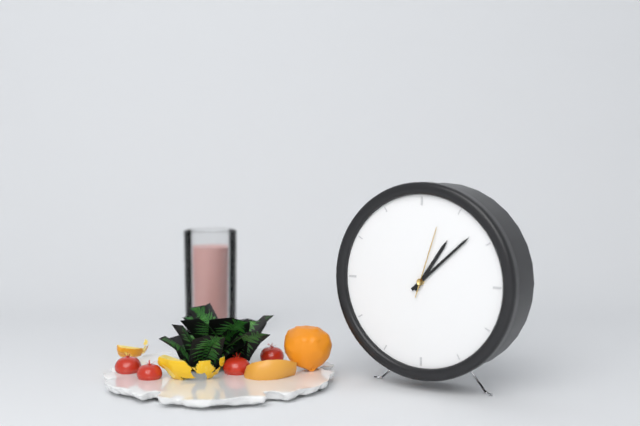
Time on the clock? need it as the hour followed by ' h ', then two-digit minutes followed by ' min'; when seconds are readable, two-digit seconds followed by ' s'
1 h 08 min 03 s
